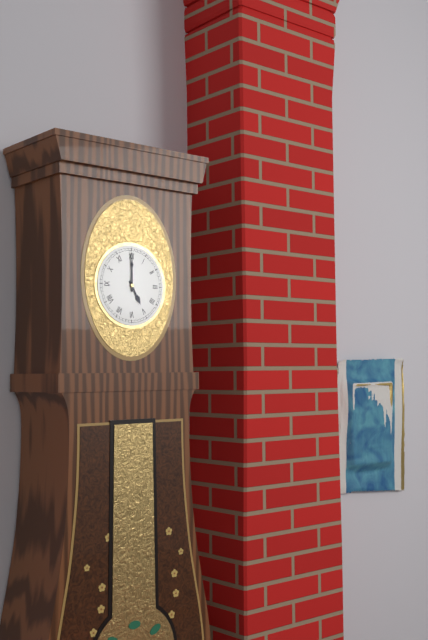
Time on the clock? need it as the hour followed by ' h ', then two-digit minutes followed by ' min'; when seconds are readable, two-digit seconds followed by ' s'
5 h 00 min
